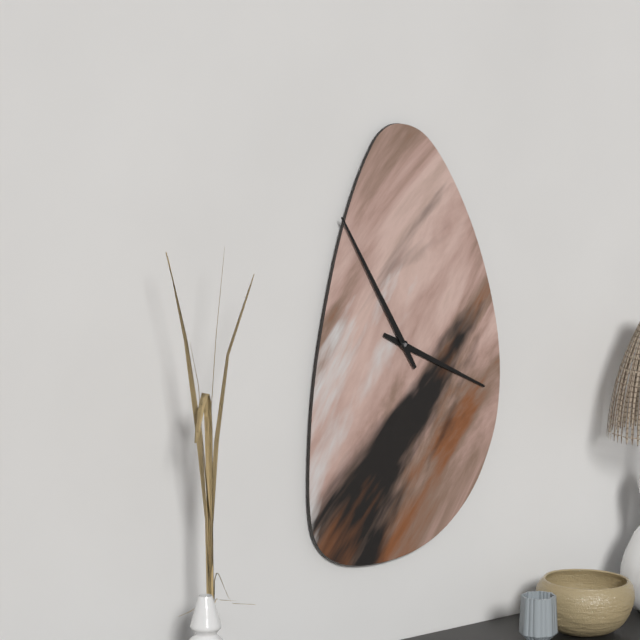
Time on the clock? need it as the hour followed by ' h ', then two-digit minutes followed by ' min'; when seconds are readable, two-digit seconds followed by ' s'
3 h 55 min
